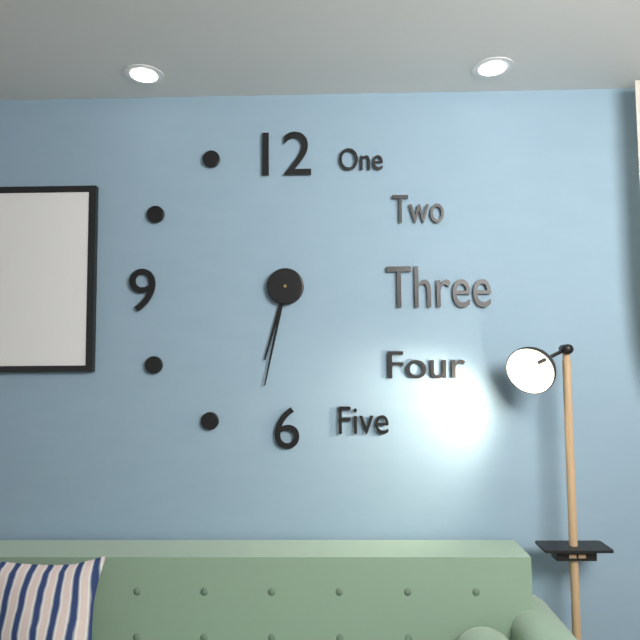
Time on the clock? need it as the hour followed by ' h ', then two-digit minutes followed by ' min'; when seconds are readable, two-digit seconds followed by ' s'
6 h 32 min
